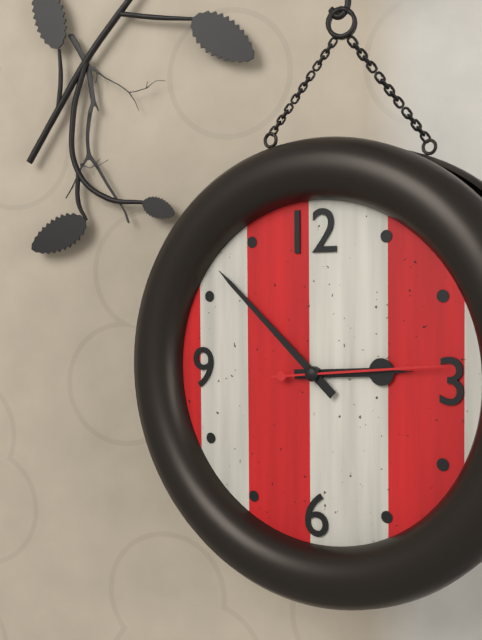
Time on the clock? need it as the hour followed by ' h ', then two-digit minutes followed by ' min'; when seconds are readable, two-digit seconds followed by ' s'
2 h 52 min 14 s
